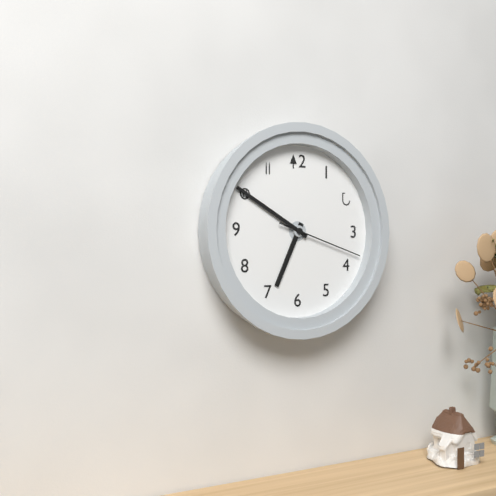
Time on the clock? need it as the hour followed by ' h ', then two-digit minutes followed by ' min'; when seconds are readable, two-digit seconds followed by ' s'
6 h 50 min 18 s
